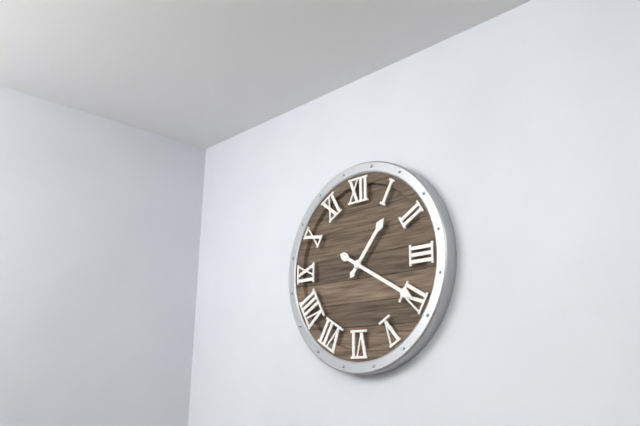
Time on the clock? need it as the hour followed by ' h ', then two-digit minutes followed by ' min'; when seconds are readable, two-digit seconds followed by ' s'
1 h 20 min
